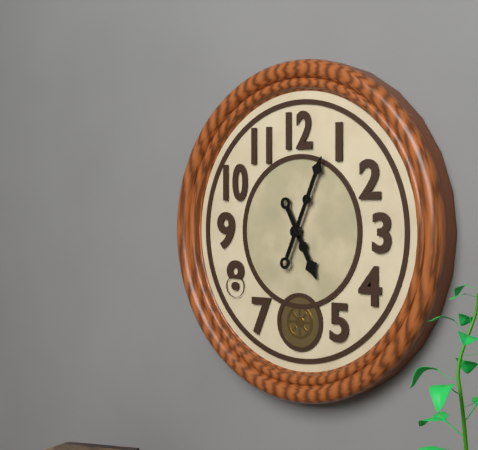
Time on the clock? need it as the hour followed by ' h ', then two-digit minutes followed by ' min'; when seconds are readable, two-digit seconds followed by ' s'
5 h 04 min
